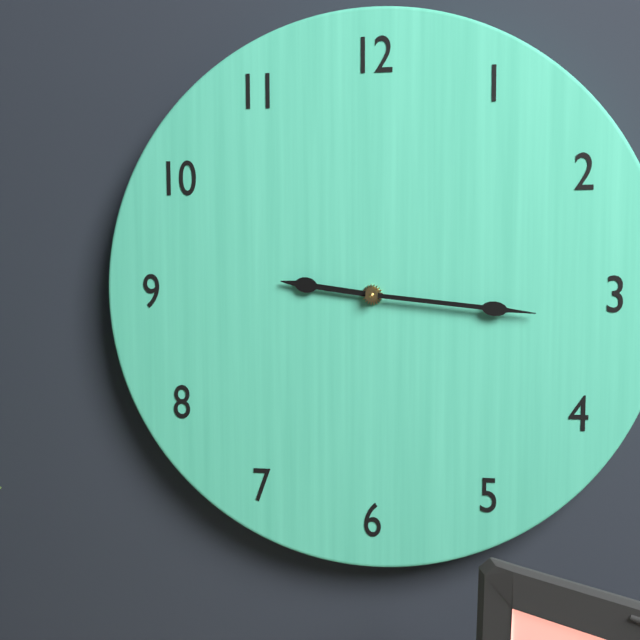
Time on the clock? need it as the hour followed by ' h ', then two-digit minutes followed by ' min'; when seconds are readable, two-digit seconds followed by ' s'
9 h 16 min
